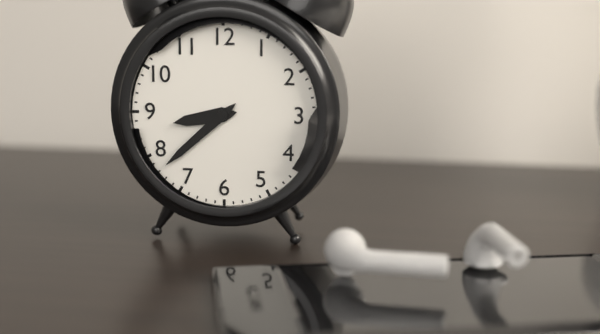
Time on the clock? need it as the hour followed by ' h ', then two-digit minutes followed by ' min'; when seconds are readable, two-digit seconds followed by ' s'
8 h 38 min
